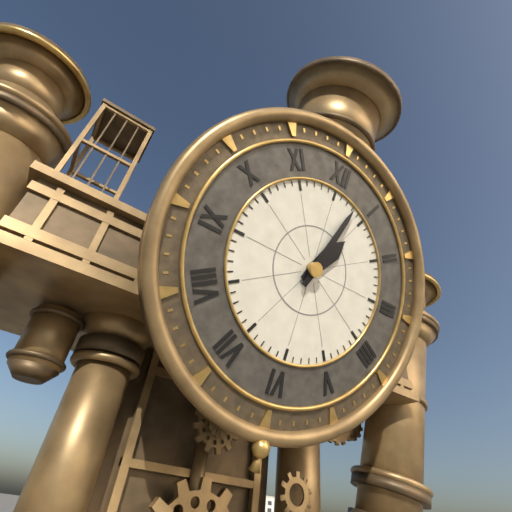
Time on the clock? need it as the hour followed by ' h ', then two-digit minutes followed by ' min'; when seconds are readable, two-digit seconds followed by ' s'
1 h 03 min
